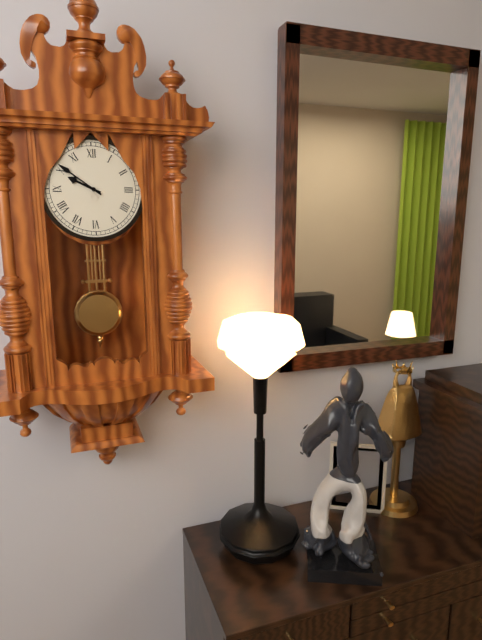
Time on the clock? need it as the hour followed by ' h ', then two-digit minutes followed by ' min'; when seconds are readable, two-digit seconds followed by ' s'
9 h 51 min
